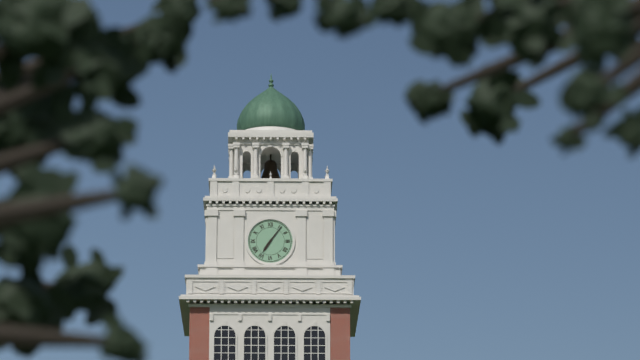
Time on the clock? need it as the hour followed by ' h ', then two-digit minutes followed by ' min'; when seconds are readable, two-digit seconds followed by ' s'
7 h 06 min
